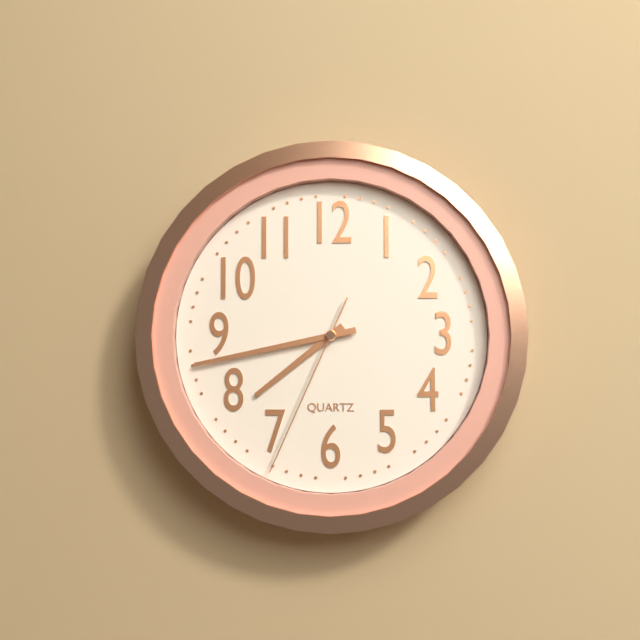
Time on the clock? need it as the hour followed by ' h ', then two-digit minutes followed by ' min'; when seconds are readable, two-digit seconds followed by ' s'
7 h 43 min 34 s
